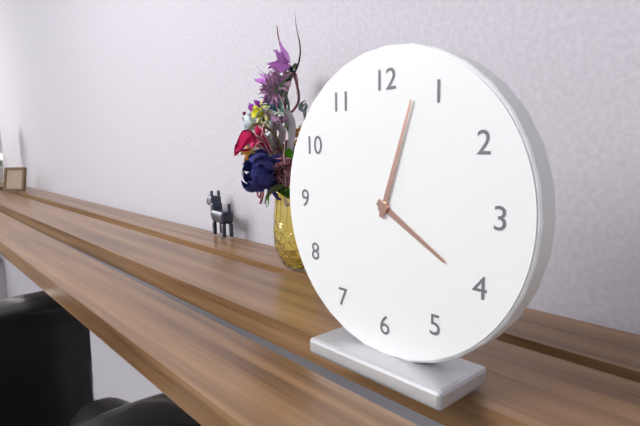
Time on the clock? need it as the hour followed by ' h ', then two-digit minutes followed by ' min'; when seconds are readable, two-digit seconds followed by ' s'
4 h 03 min
